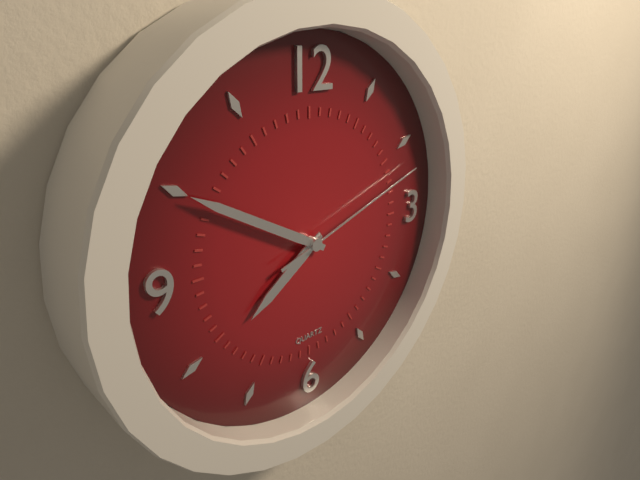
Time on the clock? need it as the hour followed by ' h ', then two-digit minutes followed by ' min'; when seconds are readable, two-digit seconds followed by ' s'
7 h 50 min 12 s
